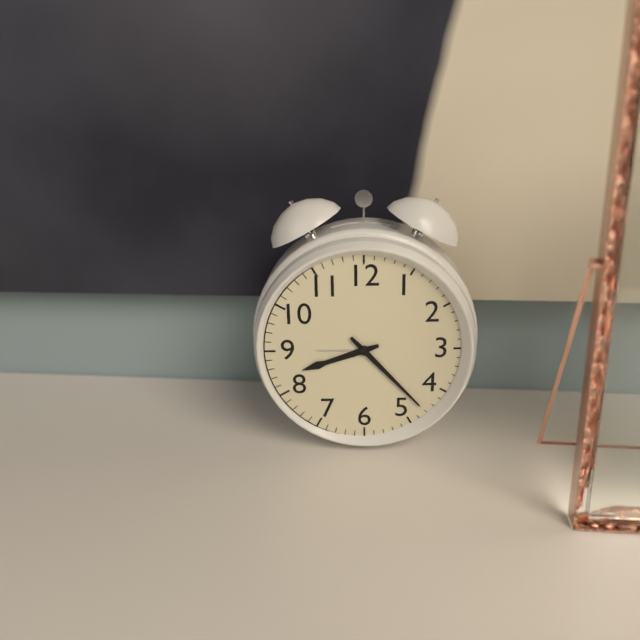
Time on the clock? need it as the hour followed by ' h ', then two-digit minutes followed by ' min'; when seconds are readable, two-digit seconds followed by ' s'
8 h 23 min
